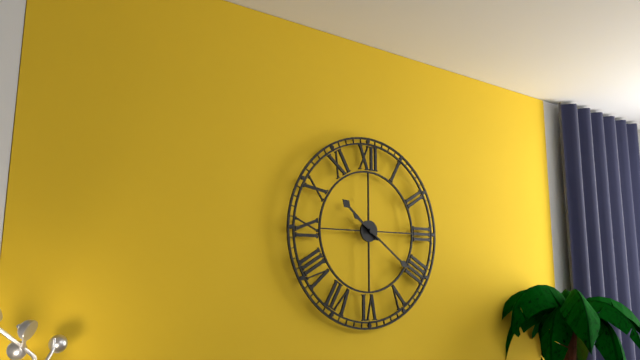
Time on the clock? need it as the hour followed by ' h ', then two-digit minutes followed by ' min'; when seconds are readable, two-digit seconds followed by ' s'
10 h 21 min
